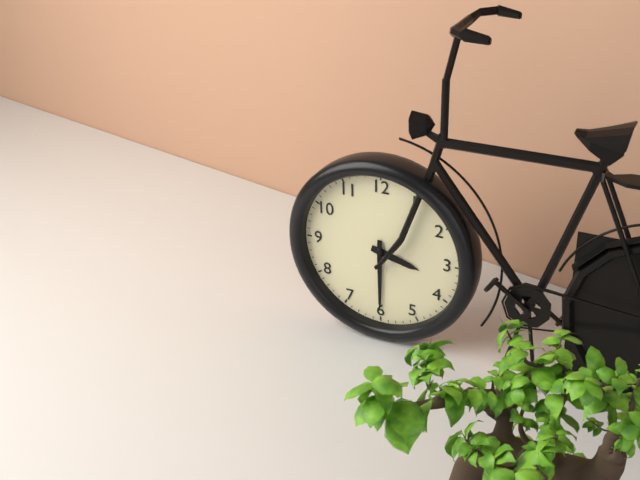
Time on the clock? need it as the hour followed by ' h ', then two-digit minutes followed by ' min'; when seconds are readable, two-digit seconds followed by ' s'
3 h 30 min
